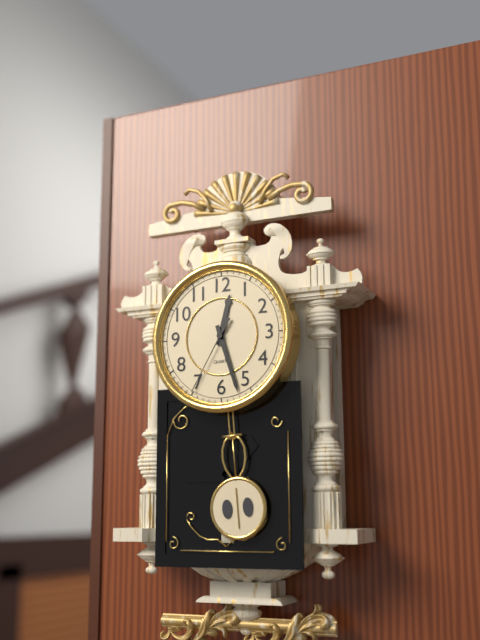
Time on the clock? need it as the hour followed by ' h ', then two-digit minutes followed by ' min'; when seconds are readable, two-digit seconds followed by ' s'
12 h 27 min 35 s
